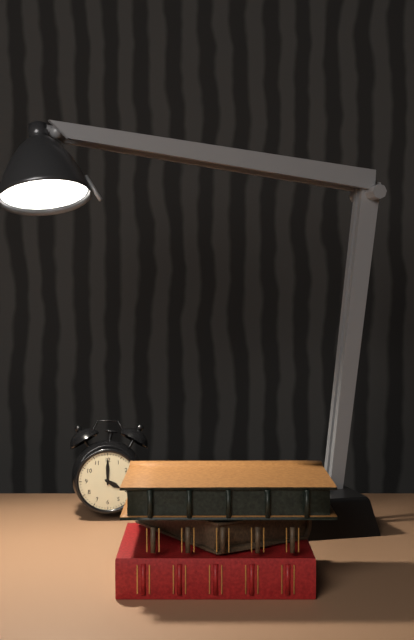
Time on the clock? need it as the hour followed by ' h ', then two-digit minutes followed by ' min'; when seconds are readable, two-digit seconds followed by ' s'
4 h 00 min
